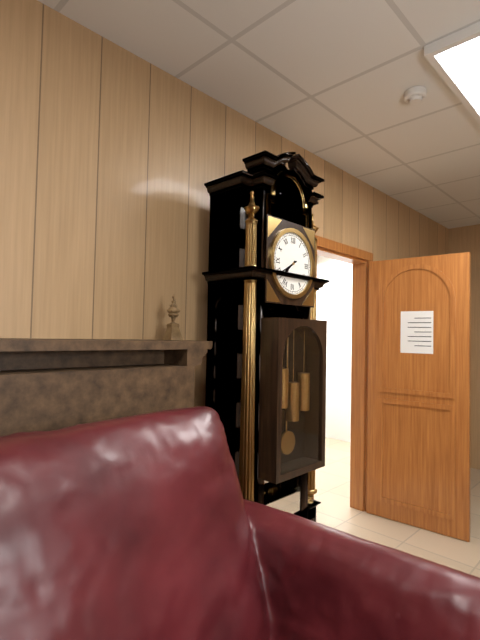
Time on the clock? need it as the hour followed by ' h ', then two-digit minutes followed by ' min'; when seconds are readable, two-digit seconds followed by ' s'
7 h 40 min
